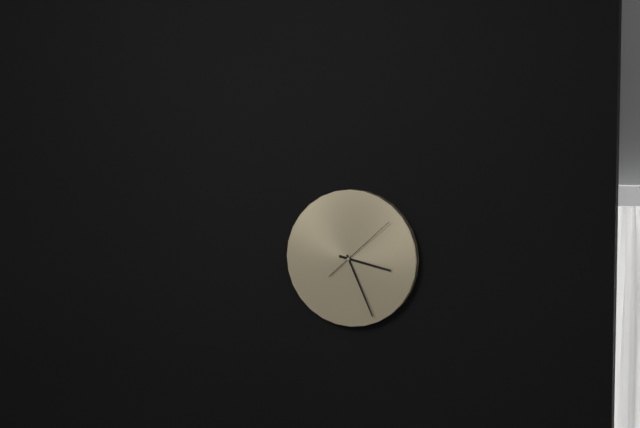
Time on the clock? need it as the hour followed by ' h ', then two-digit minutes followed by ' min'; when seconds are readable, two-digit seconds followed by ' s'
3 h 26 min 08 s
